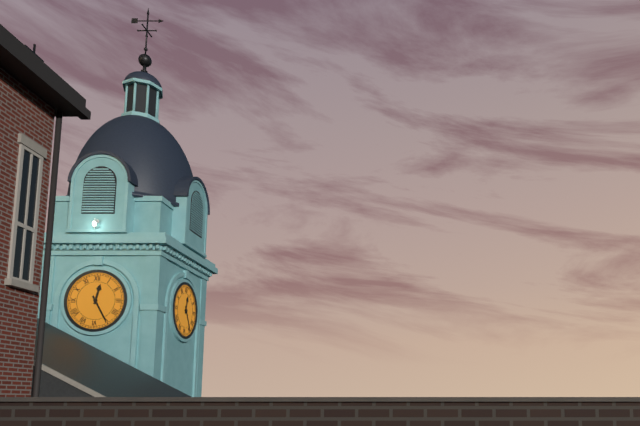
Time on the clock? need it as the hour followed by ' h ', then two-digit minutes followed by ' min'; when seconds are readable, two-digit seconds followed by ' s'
12 h 25 min
